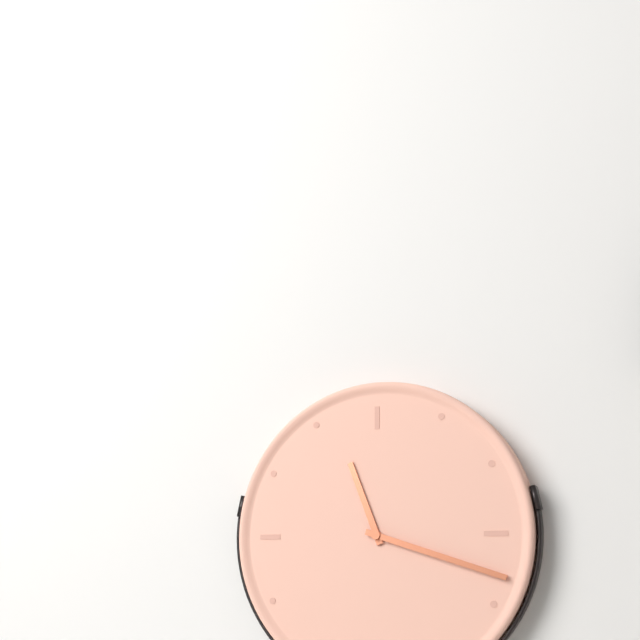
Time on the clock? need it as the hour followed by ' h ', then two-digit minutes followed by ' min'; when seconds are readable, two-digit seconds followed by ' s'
11 h 18 min
